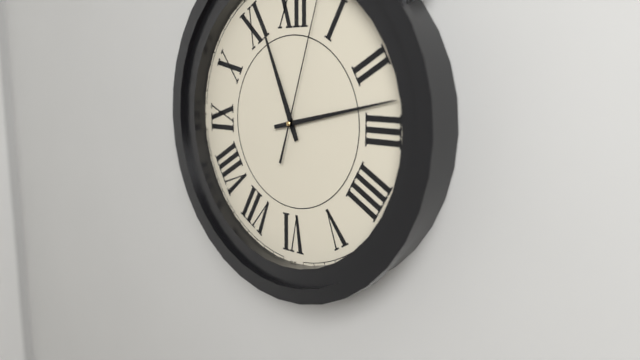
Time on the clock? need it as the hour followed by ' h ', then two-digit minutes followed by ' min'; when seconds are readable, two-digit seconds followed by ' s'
11 h 13 min
